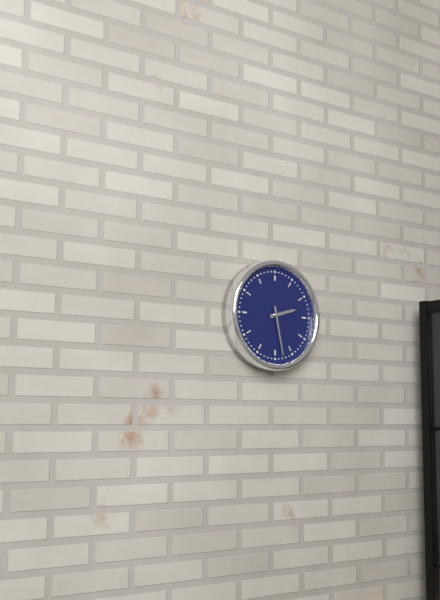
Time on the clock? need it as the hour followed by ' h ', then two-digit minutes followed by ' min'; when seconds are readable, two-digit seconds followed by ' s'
2 h 28 min
